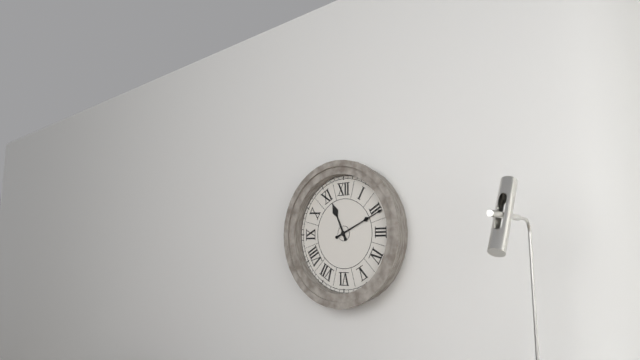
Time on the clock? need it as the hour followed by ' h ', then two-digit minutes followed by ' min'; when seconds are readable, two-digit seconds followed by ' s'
11 h 11 min
